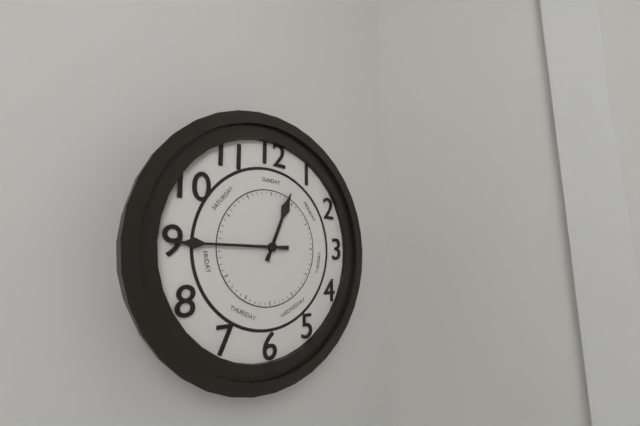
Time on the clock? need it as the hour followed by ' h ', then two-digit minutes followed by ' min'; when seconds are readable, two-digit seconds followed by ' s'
12 h 45 min
